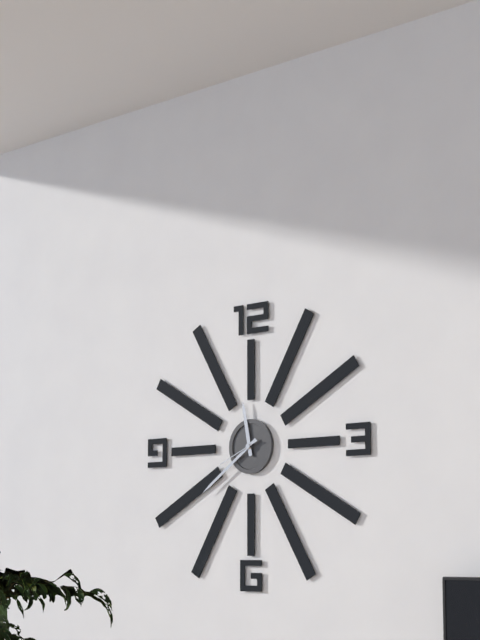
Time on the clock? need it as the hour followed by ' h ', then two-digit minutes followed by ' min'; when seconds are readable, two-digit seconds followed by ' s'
11 h 39 min
